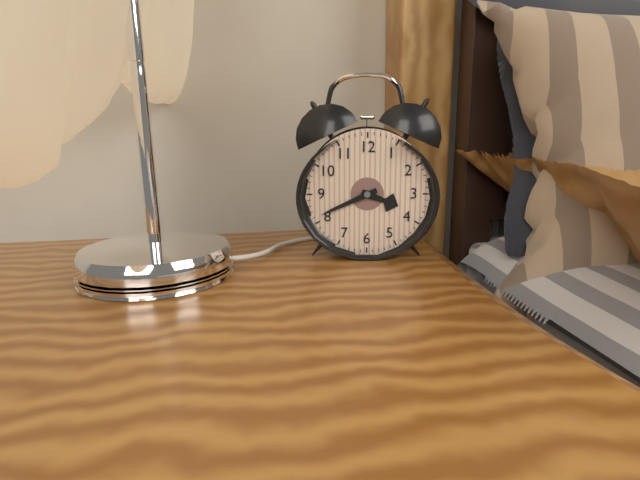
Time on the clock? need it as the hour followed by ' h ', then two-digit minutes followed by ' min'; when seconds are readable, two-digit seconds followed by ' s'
3 h 41 min
